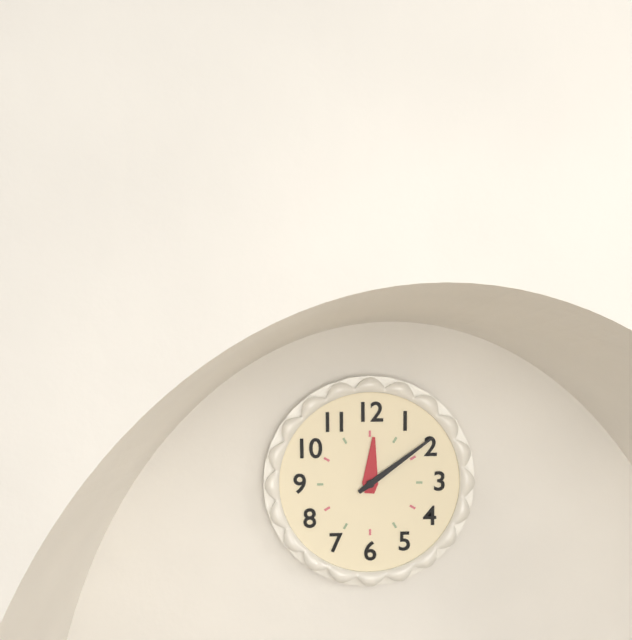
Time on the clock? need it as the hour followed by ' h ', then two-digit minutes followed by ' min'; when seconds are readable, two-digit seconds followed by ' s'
12 h 09 min
